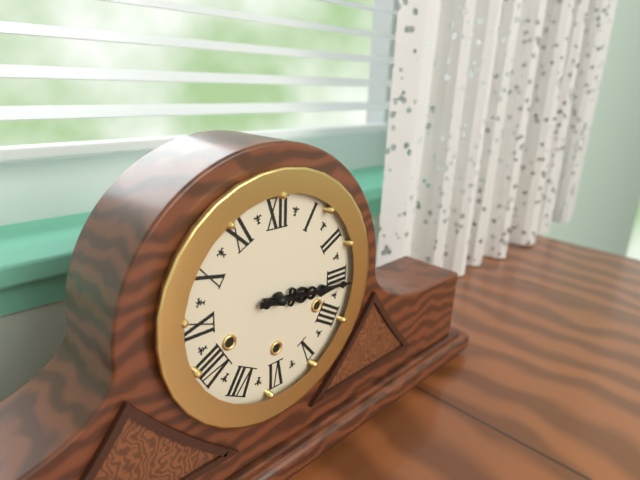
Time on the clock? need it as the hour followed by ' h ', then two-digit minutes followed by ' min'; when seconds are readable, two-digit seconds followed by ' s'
3 h 16 min
